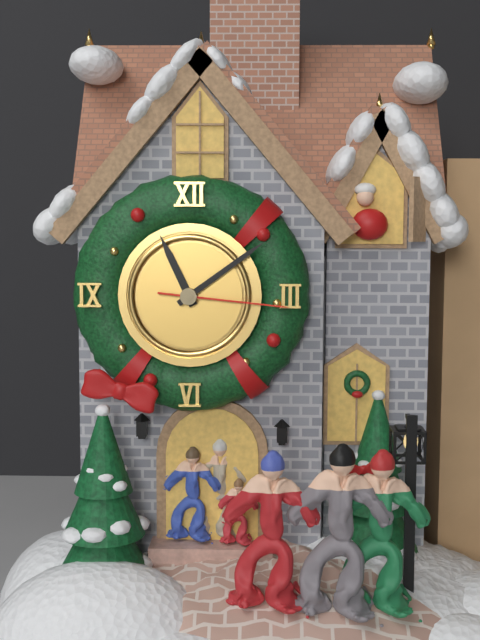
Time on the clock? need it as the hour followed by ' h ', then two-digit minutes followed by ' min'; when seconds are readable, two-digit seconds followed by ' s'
11 h 09 min 16 s
